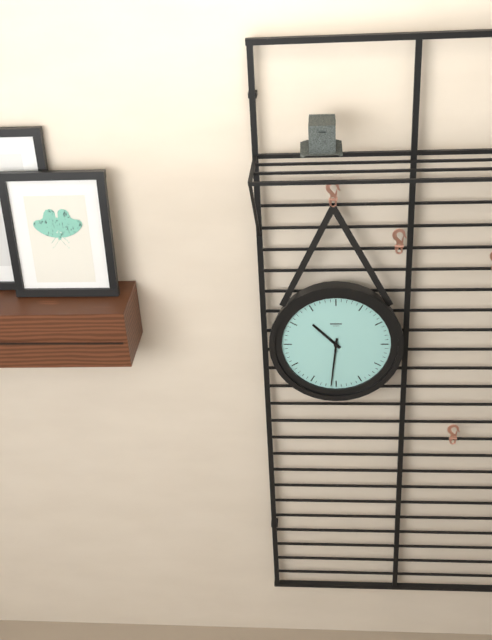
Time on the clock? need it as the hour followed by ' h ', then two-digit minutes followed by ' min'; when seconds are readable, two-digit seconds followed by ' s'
10 h 31 min
